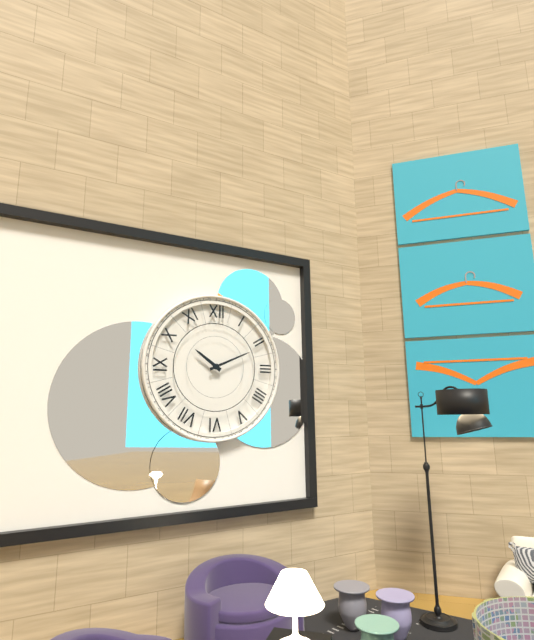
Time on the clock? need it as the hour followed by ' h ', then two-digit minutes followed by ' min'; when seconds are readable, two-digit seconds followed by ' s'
10 h 11 min
